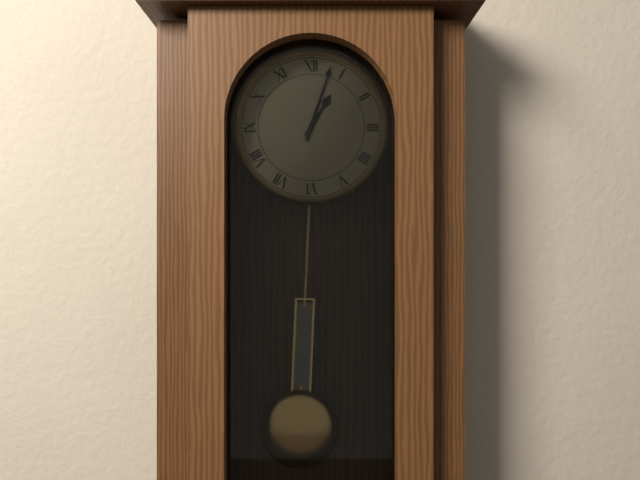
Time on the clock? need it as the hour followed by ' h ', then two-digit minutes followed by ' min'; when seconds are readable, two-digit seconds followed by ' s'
1 h 03 min
